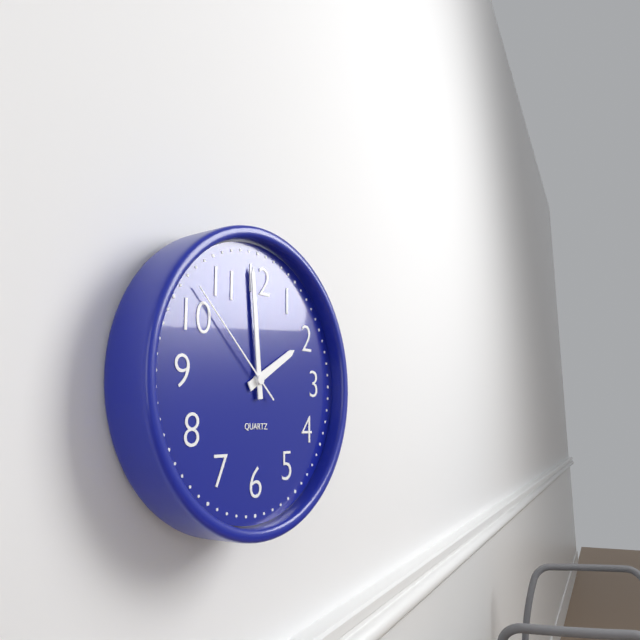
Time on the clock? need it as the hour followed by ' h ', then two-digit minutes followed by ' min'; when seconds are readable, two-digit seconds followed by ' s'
1 h 59 min 52 s
